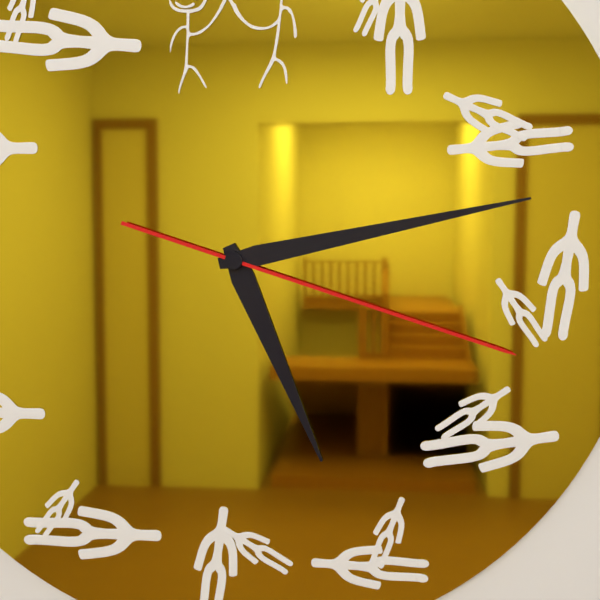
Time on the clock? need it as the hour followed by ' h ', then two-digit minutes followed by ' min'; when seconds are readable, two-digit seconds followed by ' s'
5 h 13 min 18 s
